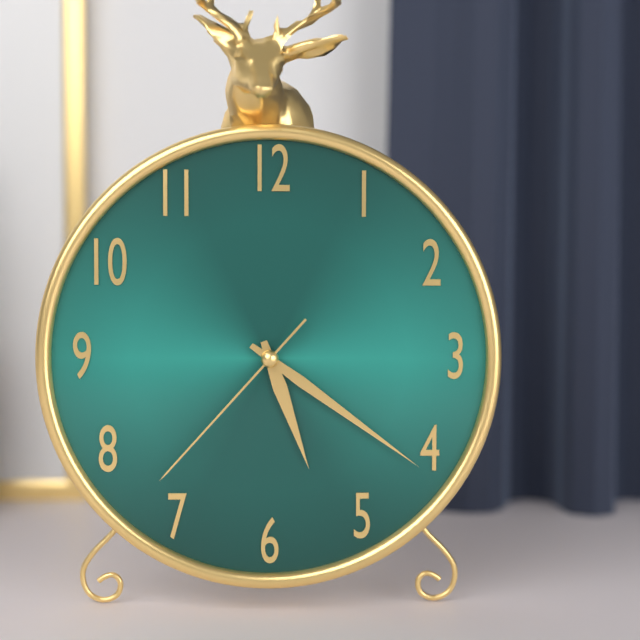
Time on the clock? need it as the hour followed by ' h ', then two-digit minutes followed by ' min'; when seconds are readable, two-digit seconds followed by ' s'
5 h 21 min 37 s
